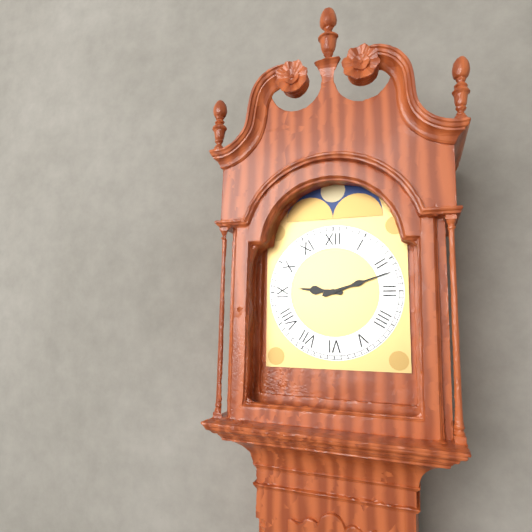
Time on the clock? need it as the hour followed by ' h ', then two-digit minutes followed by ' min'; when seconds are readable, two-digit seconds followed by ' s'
9 h 12 min
